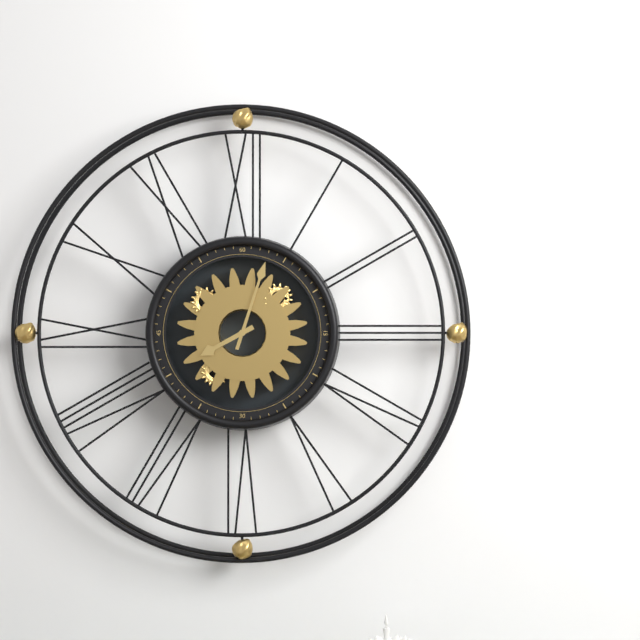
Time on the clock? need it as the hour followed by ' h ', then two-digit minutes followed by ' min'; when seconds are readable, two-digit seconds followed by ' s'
8 h 03 min
